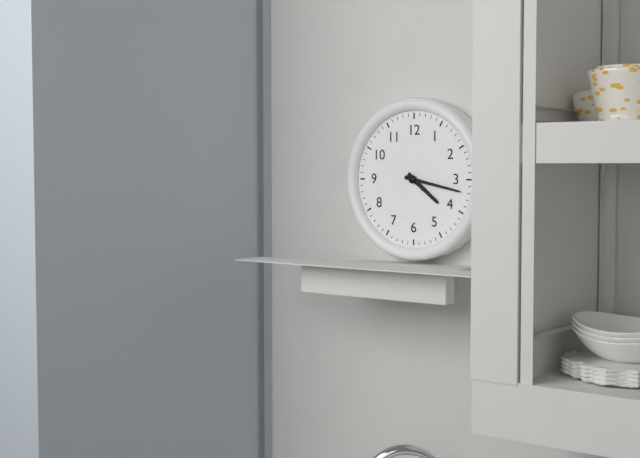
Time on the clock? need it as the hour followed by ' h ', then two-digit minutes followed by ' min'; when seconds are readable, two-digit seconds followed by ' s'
4 h 17 min
